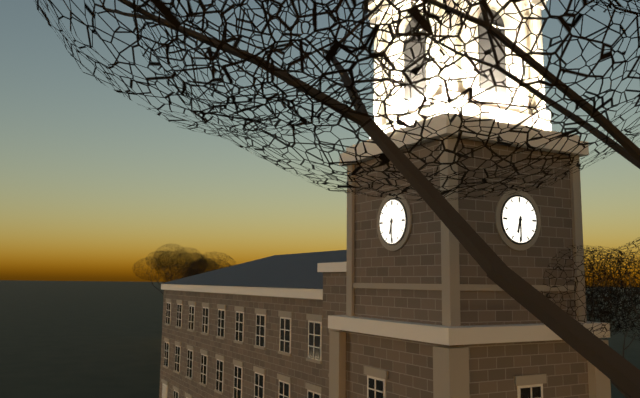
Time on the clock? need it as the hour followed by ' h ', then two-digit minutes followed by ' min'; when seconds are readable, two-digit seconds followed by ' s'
6 h 30 min
